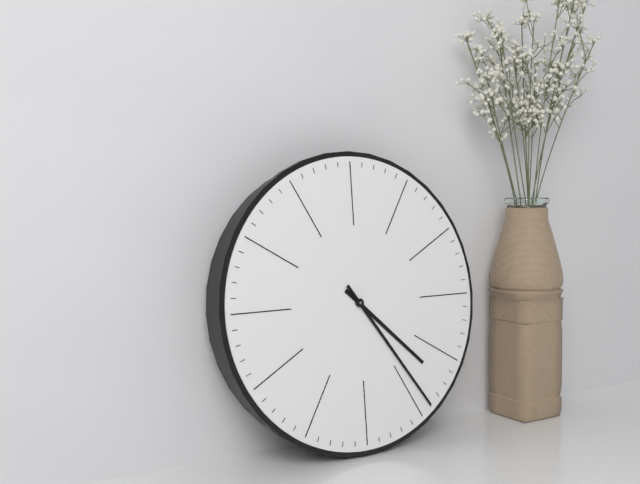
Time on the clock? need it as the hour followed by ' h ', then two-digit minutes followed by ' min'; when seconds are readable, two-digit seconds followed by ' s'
4 h 24 min
